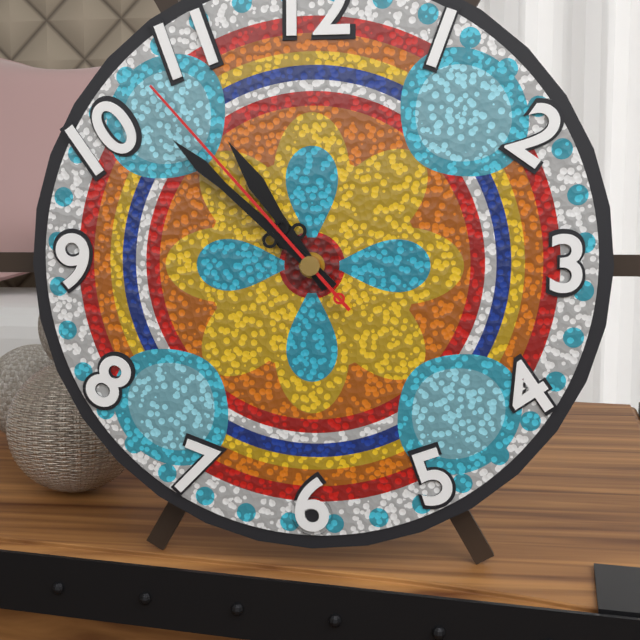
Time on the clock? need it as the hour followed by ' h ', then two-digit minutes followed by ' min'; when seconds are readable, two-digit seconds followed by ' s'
10 h 52 min 53 s
